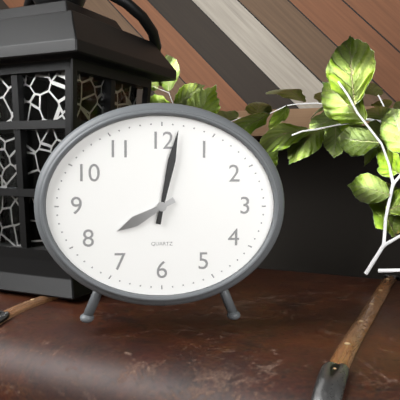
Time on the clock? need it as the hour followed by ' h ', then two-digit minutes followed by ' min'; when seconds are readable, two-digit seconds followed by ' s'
8 h 02 min
